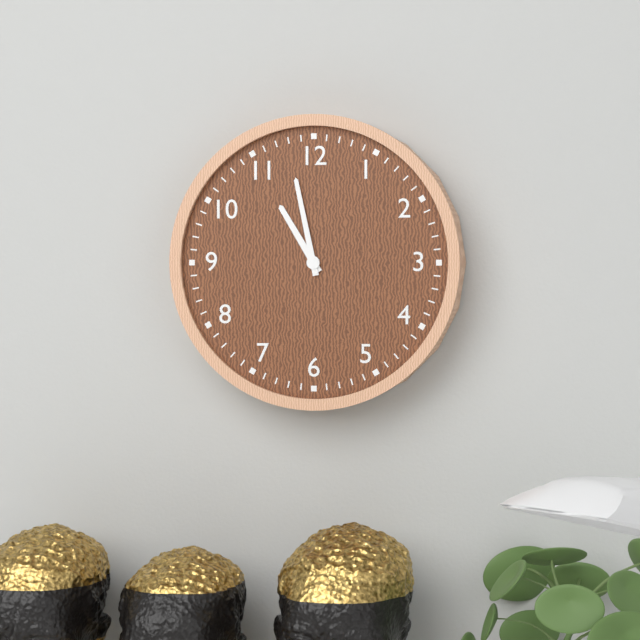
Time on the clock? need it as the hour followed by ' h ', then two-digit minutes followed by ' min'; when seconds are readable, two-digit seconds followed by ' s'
10 h 58 min
